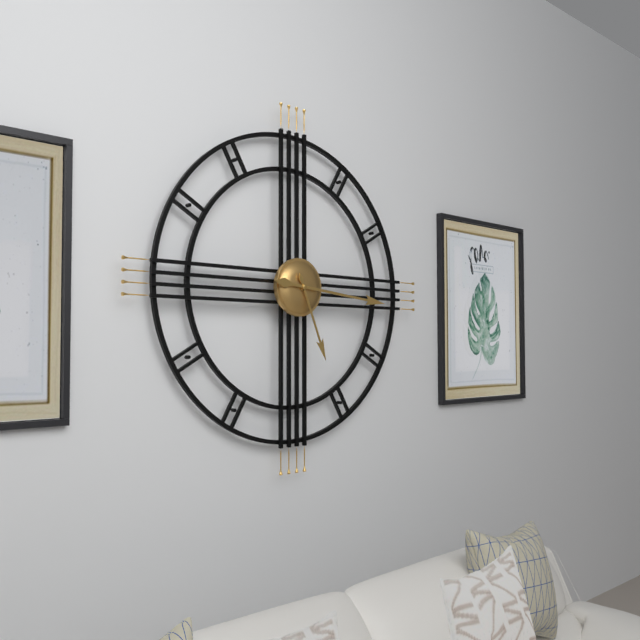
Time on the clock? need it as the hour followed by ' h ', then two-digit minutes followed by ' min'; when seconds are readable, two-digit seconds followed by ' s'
5 h 16 min
